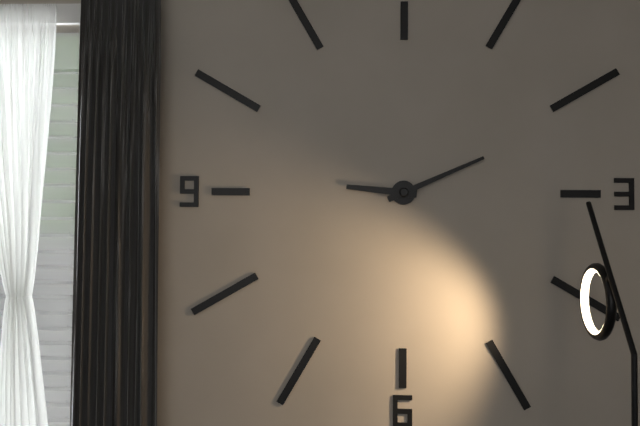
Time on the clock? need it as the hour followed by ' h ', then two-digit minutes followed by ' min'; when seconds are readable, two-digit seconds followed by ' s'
9 h 11 min
